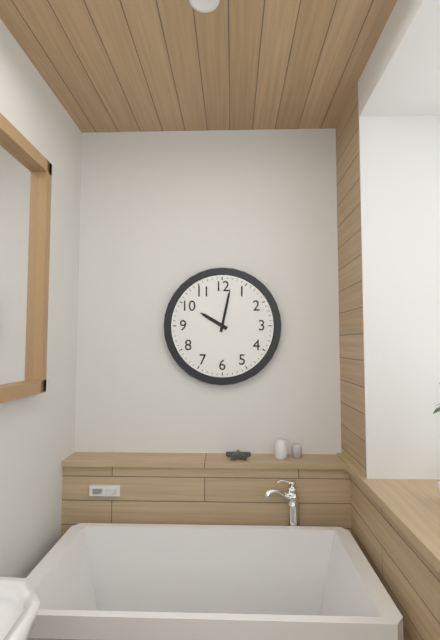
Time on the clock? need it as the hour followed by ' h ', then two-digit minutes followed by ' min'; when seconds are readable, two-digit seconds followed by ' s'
10 h 02 min
